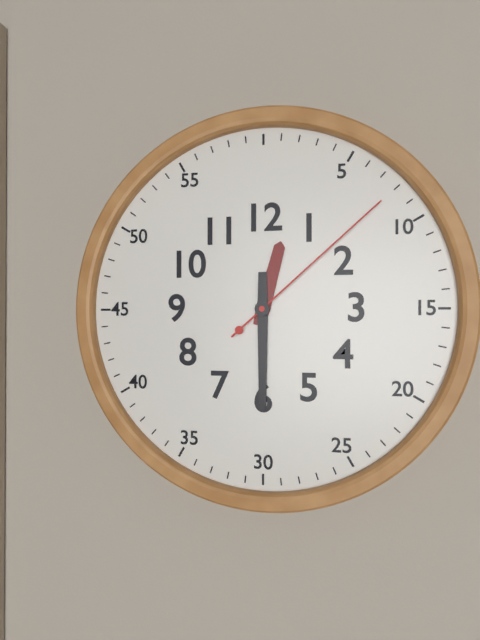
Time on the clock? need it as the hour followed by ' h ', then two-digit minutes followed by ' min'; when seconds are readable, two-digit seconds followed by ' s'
12 h 30 min 08 s
